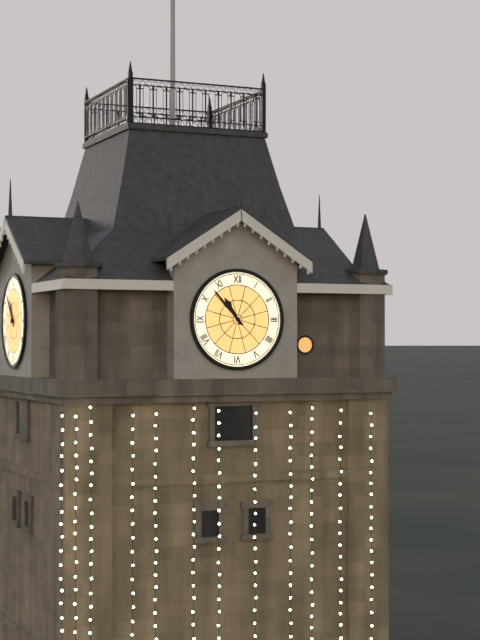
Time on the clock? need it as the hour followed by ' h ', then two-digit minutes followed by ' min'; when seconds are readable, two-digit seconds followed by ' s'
10 h 53 min
